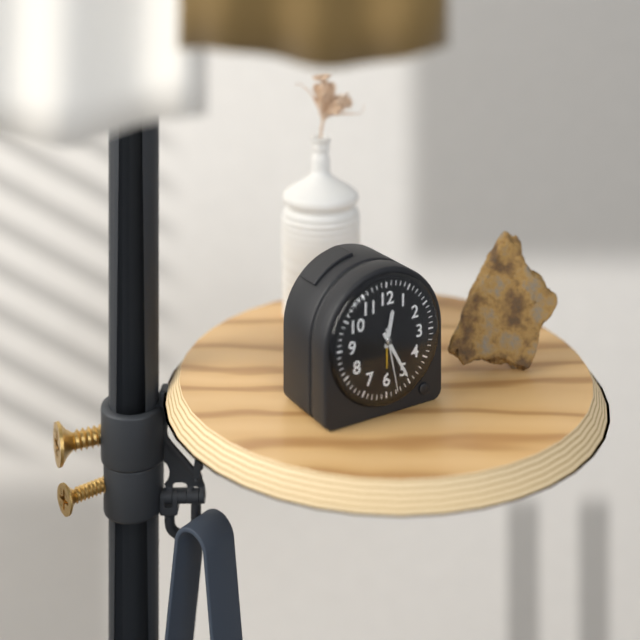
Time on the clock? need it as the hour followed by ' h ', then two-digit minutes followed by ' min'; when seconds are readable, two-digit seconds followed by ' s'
12 h 25 min 28 s
